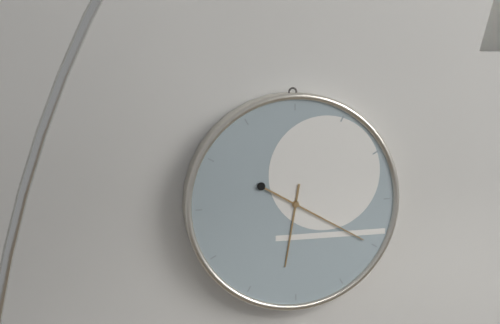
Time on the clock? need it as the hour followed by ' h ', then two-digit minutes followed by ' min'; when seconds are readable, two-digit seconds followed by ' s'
6 h 20 min
